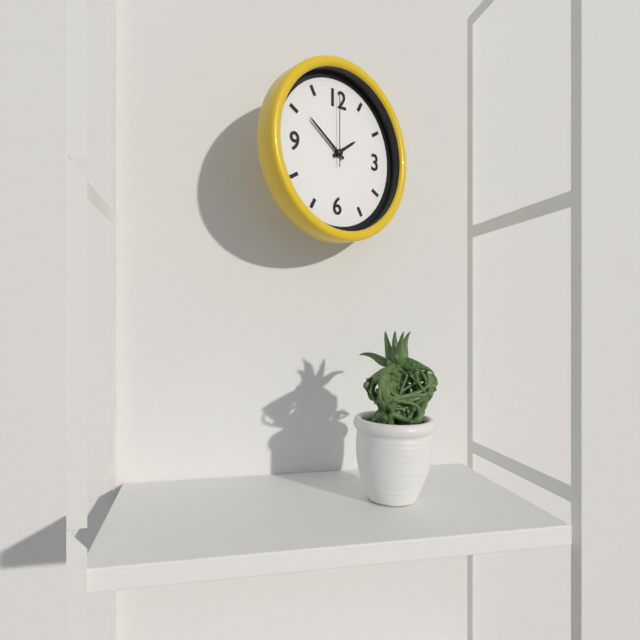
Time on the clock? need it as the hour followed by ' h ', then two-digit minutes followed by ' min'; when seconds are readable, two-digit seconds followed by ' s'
1 h 51 min 00 s
